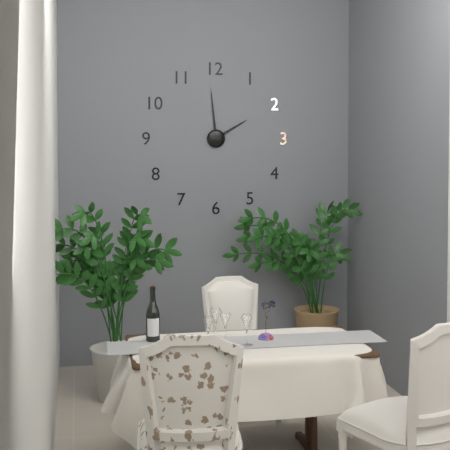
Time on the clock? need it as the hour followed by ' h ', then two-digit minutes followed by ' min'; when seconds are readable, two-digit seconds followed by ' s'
1 h 59 min
